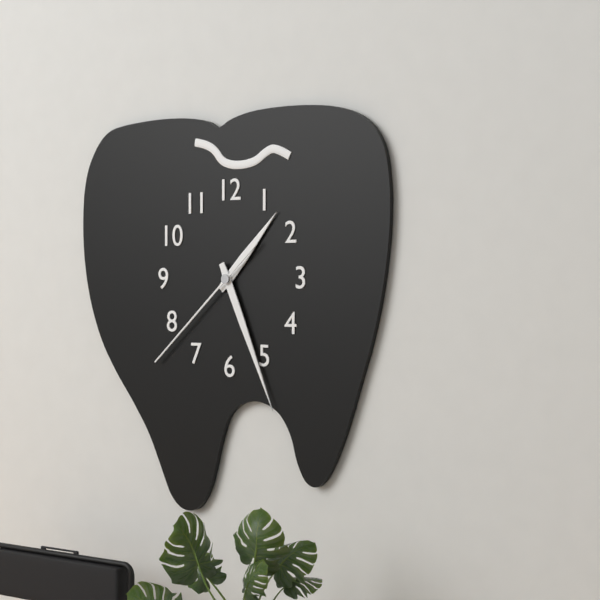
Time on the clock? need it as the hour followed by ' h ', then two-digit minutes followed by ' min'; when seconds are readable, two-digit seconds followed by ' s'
1 h 26 min 38 s
